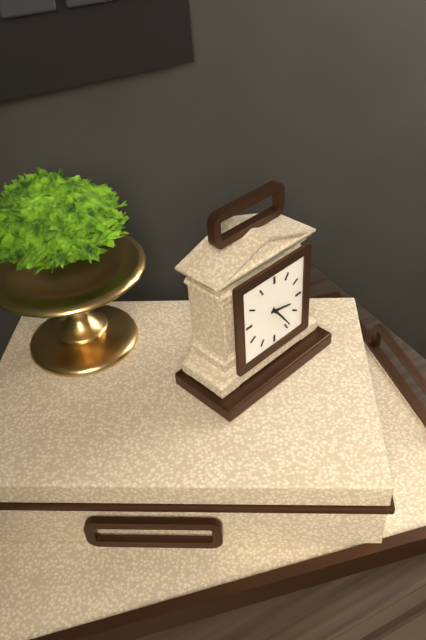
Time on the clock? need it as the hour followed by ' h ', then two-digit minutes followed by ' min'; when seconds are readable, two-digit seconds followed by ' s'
3 h 24 min
